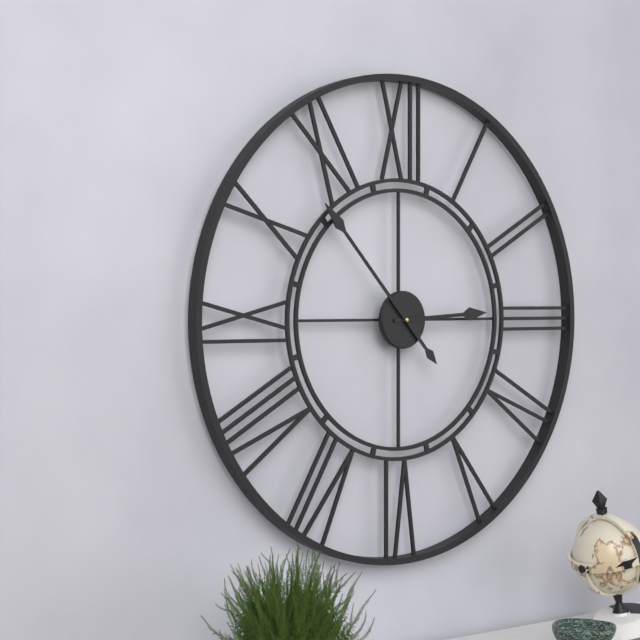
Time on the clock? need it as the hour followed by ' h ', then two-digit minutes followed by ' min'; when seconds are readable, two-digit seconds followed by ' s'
2 h 53 min
